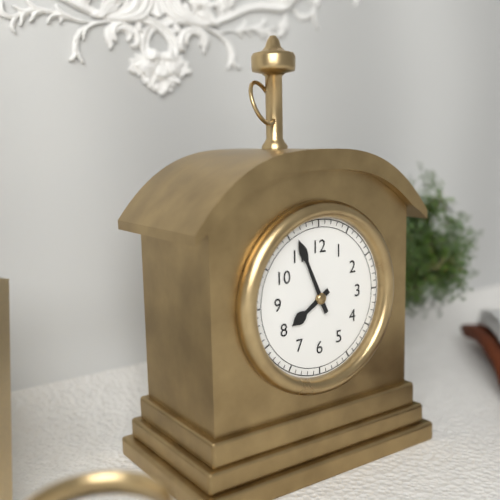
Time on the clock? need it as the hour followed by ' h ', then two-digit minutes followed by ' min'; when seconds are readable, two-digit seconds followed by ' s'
7 h 56 min
